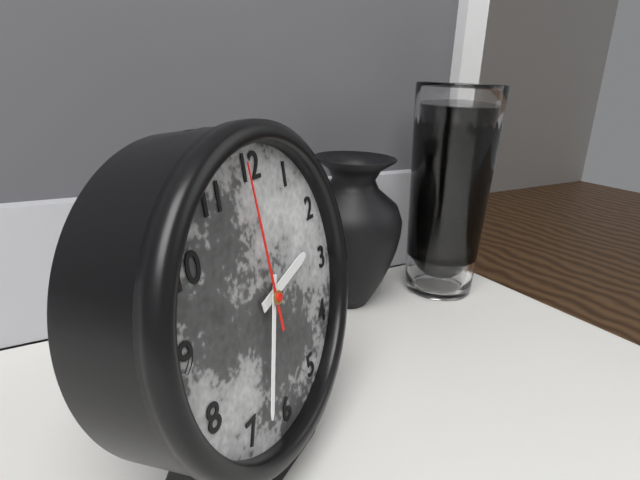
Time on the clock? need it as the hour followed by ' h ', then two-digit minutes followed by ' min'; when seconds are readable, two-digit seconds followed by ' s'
2 h 33 min 59 s
